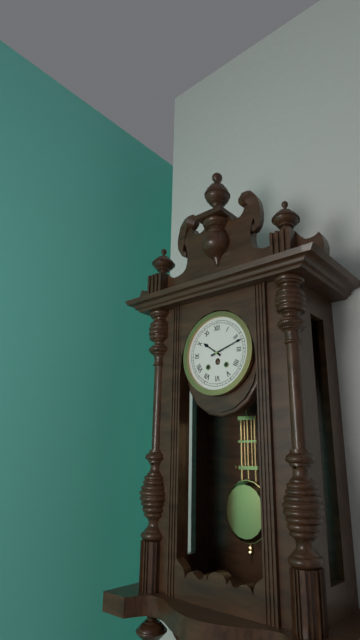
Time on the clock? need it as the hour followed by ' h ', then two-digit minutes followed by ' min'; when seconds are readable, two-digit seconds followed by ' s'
10 h 12 min
